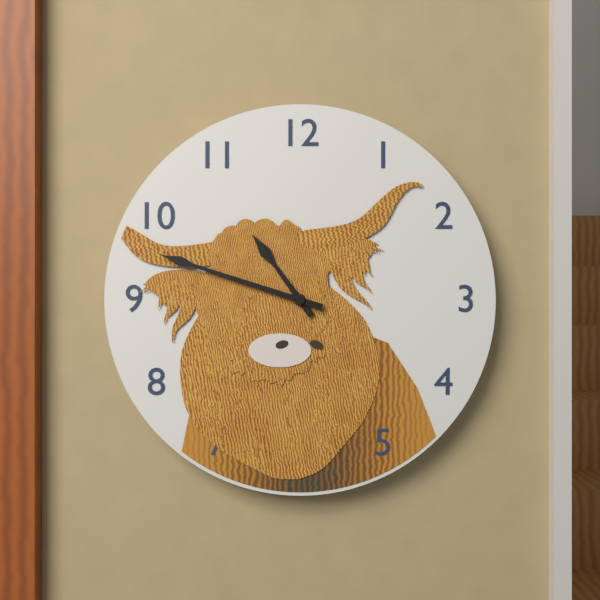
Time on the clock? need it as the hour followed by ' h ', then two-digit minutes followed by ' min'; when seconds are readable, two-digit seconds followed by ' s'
10 h 48 min
